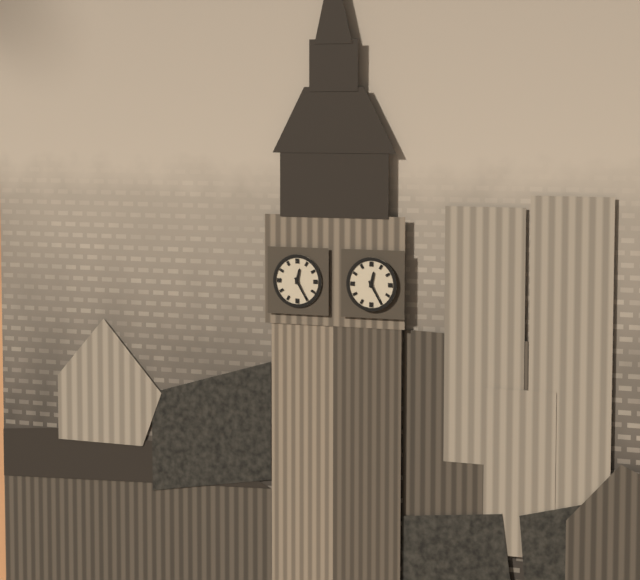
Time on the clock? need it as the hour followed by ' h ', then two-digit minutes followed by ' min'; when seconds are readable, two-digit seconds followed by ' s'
12 h 25 min
